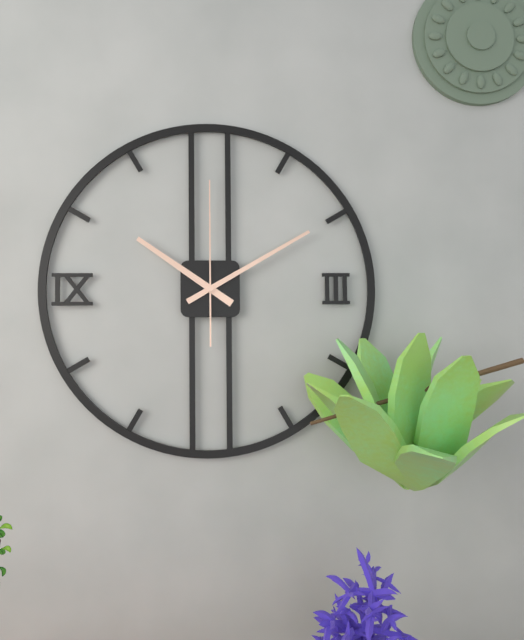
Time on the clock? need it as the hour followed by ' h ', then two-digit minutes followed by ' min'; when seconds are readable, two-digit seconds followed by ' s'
10 h 10 min 00 s
